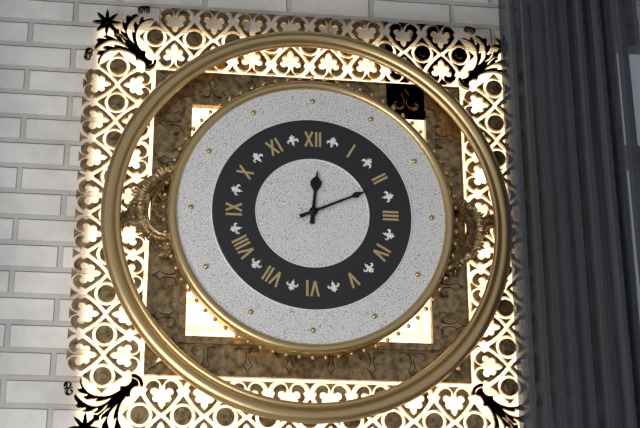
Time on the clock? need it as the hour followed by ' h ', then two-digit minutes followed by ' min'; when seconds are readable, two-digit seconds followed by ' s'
12 h 11 min
